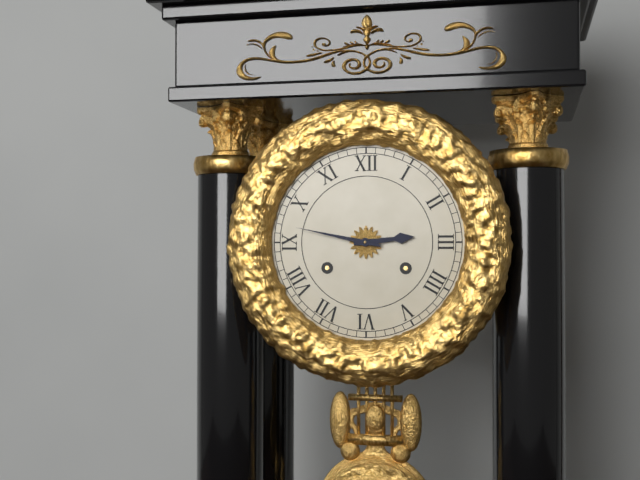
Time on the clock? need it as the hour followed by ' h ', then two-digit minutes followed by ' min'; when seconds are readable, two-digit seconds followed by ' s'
2 h 47 min
